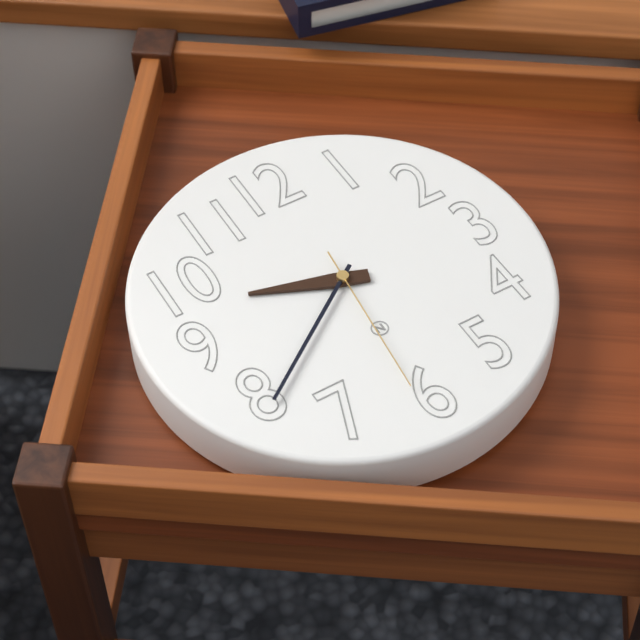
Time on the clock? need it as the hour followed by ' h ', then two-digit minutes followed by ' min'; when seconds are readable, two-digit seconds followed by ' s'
9 h 39 min 31 s
